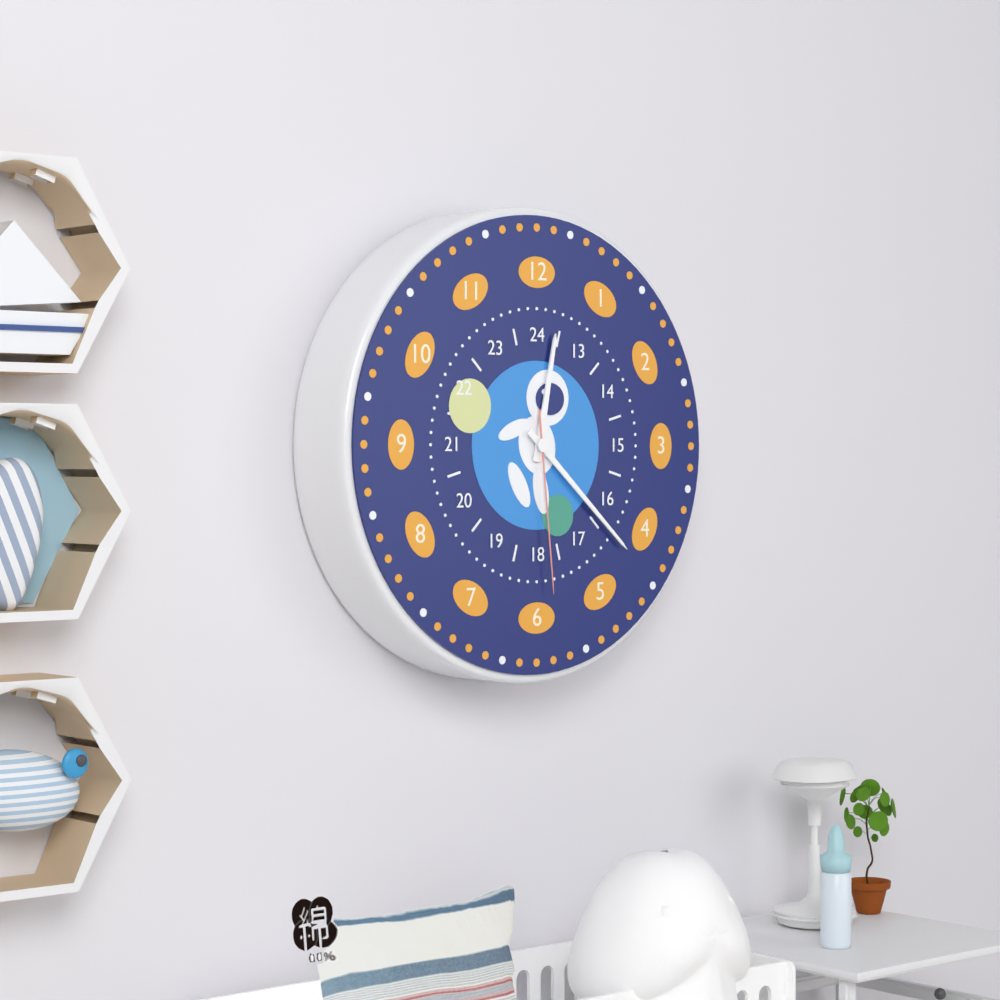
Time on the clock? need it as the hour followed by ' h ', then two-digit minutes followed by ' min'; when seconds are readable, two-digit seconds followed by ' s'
12 h 22 min 29 s
